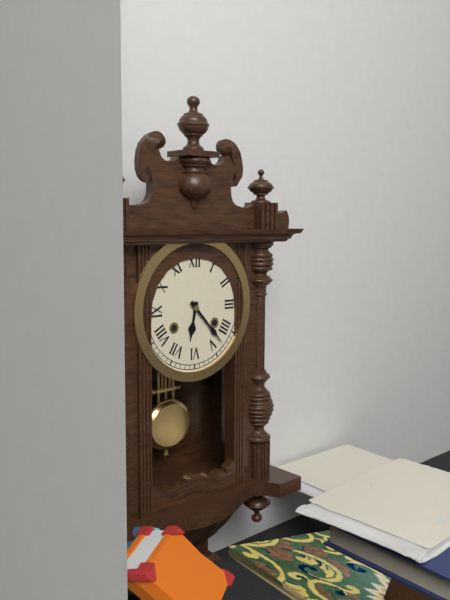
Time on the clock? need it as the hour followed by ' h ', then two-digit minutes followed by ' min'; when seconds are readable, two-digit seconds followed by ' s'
6 h 23 min
